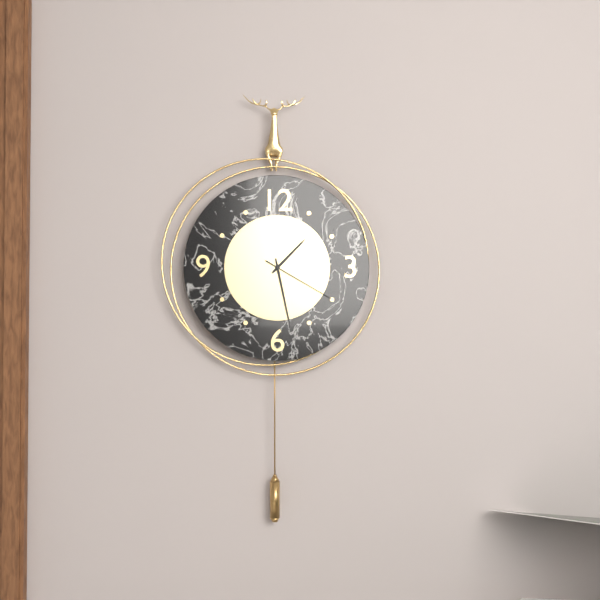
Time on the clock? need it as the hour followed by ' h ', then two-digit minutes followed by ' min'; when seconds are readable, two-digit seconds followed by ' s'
1 h 28 min 20 s
